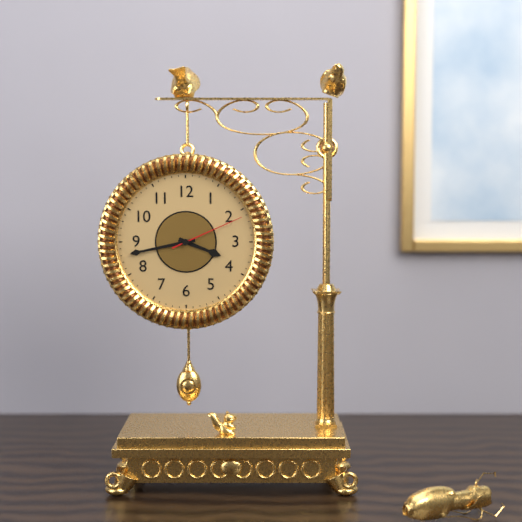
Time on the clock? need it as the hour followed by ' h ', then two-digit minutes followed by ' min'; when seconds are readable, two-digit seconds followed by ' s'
3 h 43 min 11 s
